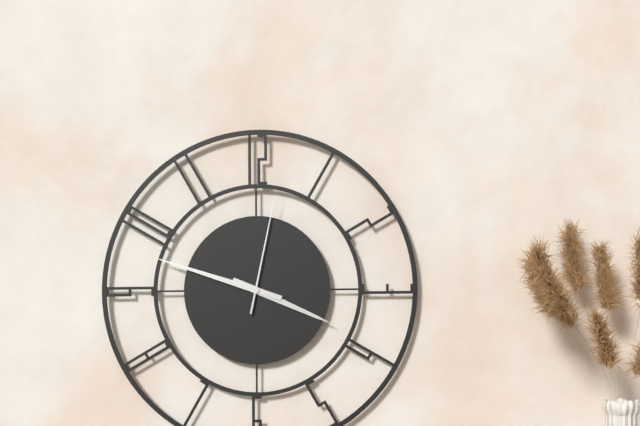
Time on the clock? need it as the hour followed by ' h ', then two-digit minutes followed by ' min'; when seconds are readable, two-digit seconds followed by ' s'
3 h 48 min 02 s
